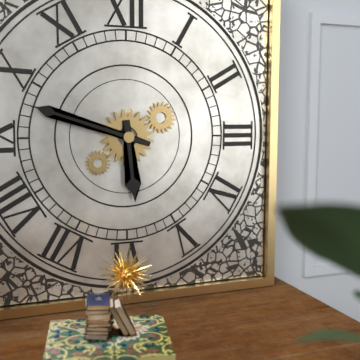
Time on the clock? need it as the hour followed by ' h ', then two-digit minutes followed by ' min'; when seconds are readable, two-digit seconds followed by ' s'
5 h 48 min
